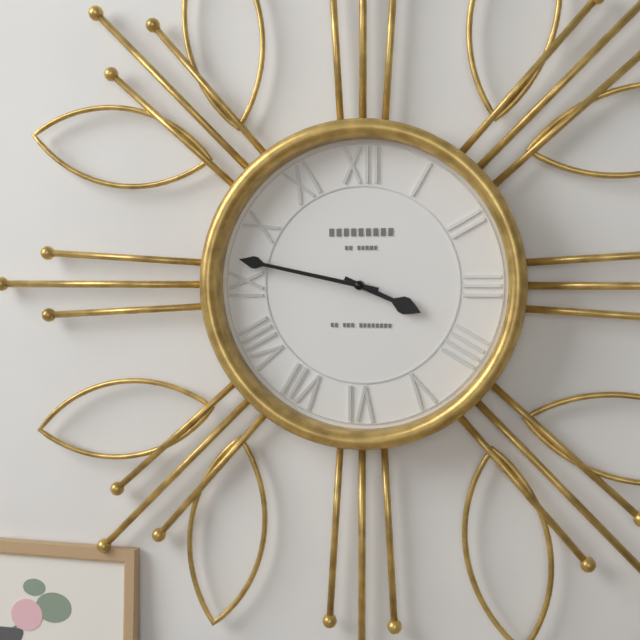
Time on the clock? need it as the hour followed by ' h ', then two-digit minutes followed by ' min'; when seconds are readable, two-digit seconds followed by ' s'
3 h 47 min
